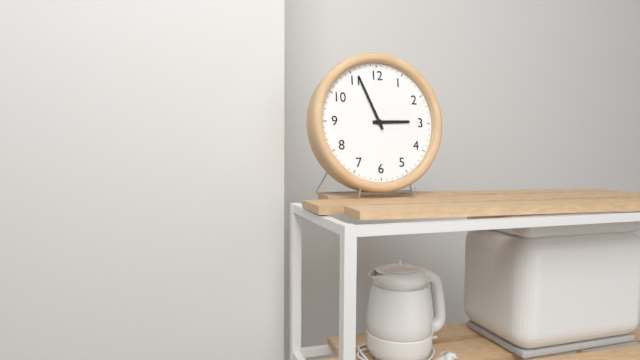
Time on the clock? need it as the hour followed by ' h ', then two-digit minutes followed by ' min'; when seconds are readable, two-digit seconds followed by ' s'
2 h 56 min
